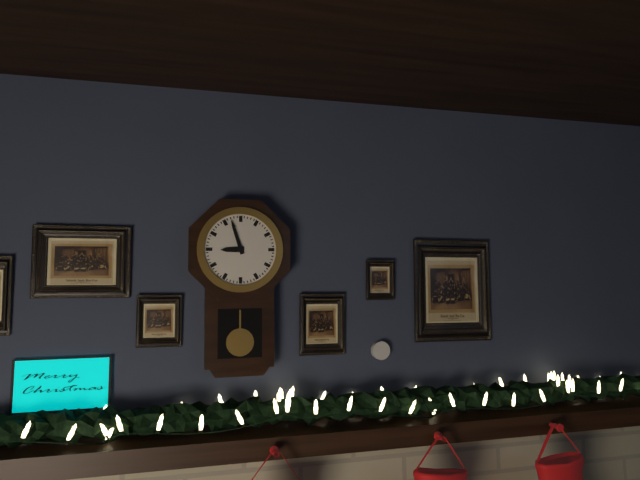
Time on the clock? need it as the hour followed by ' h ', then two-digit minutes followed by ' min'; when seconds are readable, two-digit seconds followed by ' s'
8 h 57 min
